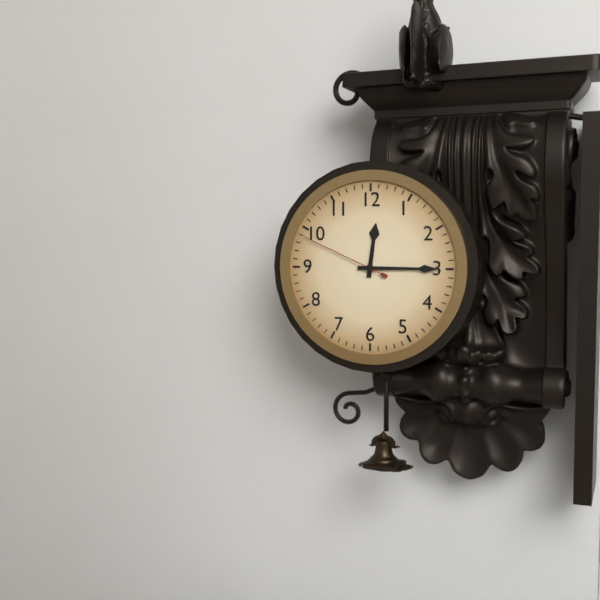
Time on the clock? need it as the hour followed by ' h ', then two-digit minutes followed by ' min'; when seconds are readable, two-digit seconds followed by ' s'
12 h 15 min 49 s
